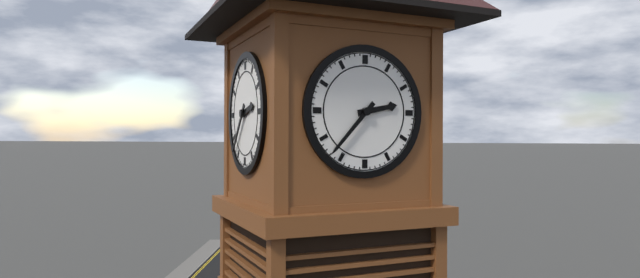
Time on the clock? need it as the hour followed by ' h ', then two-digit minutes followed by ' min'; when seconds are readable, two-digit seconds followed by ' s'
2 h 37 min
